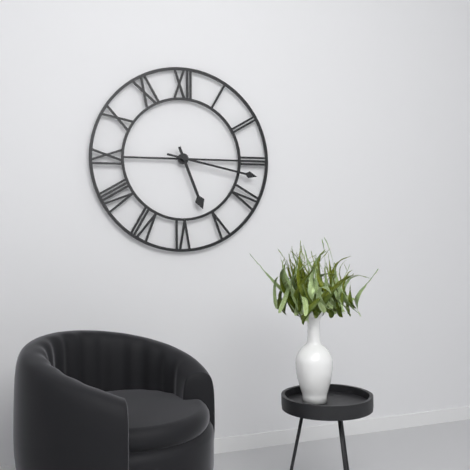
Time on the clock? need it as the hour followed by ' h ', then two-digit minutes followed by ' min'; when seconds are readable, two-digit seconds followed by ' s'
5 h 17 min
